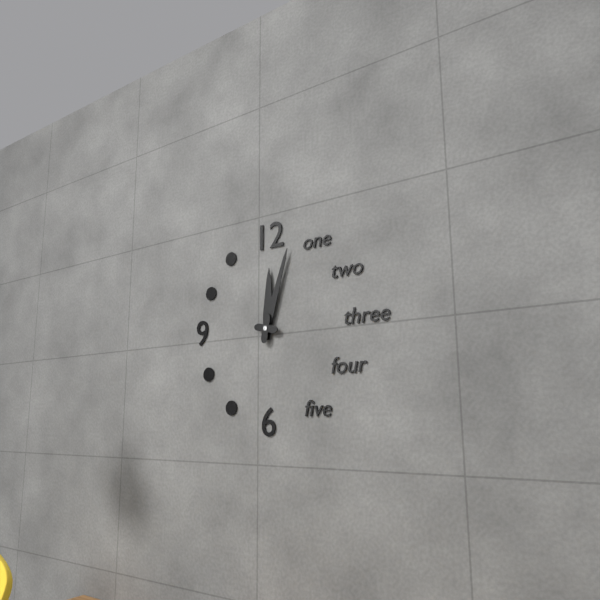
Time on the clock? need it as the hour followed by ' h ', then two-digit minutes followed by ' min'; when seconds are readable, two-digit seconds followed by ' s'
12 h 03 min
